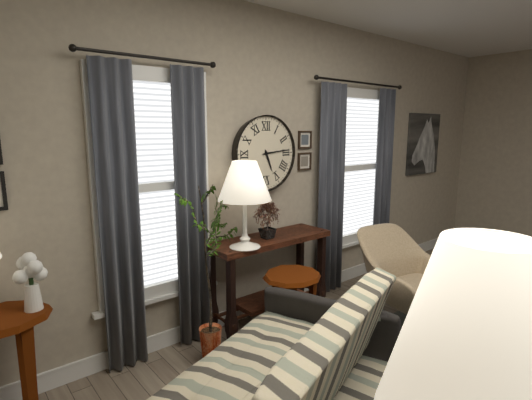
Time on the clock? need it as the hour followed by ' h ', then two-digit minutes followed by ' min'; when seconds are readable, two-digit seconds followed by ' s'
5 h 14 min
